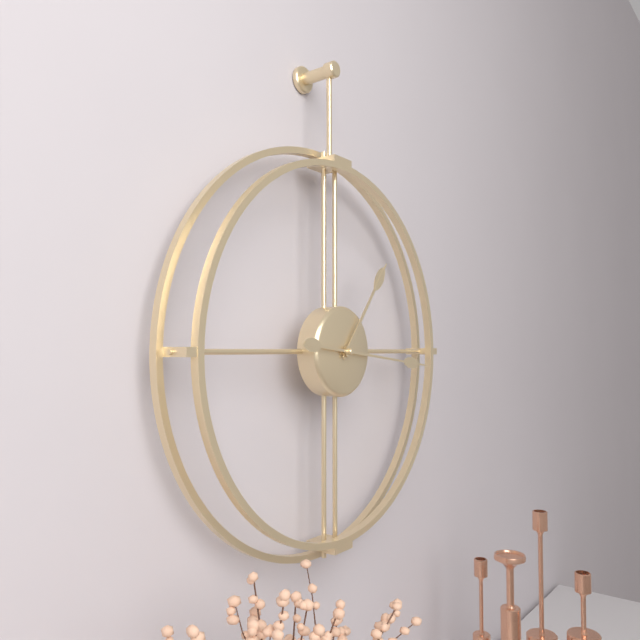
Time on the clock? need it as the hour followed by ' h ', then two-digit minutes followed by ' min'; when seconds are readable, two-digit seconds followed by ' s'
1 h 16 min
